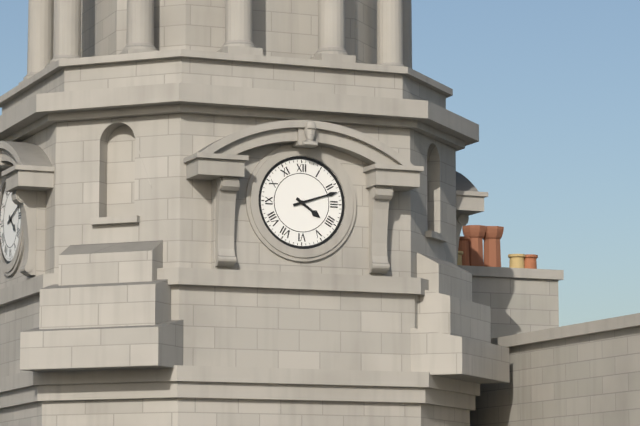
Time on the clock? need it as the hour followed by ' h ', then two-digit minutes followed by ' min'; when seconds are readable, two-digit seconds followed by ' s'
4 h 12 min
